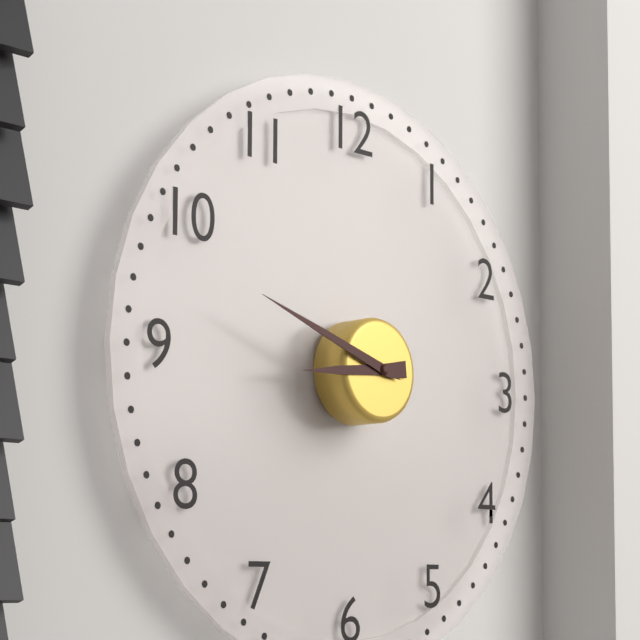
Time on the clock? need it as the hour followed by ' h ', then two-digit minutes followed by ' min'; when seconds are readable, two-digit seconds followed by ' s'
8 h 48 min
